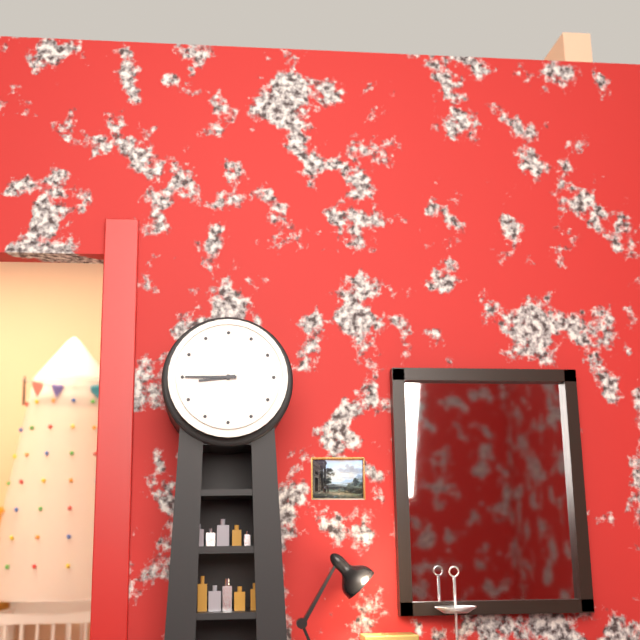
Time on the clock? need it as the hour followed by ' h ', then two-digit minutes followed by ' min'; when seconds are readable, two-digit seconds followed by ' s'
8 h 45 min
